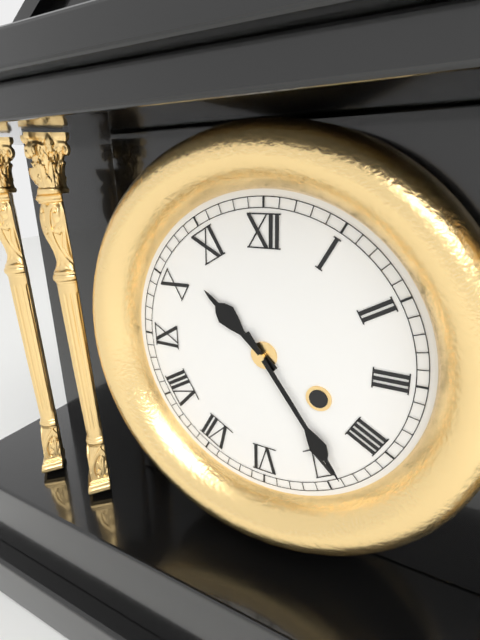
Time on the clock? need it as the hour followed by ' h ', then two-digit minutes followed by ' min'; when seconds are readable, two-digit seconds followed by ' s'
10 h 24 min
